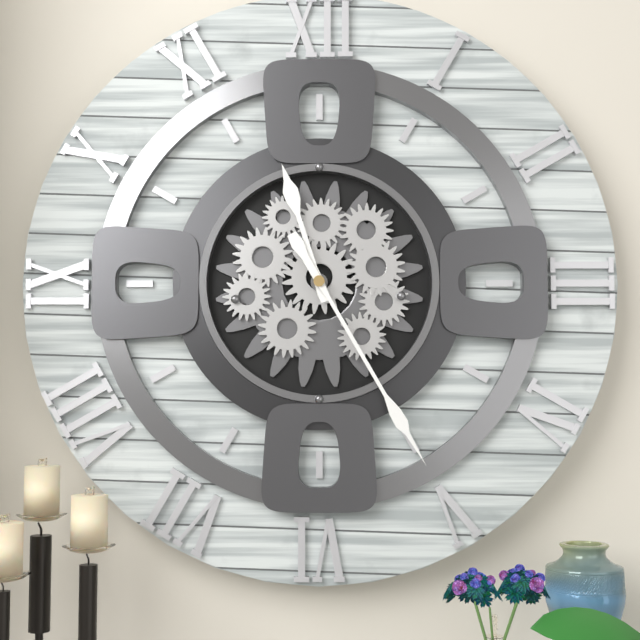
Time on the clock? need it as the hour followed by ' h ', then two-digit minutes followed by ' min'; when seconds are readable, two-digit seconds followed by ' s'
11 h 25 min
